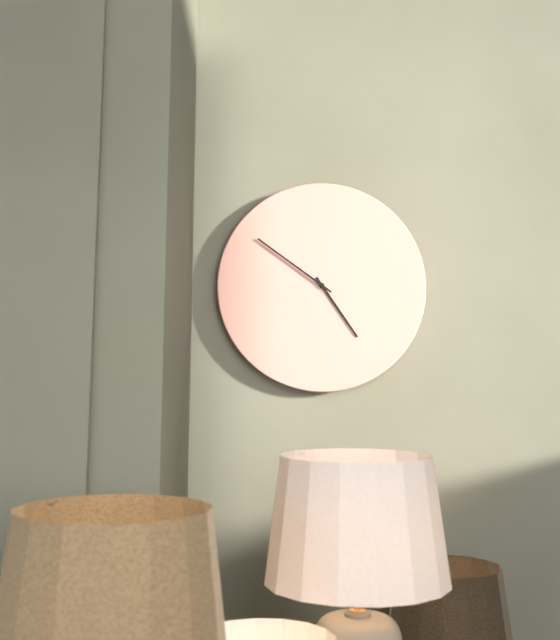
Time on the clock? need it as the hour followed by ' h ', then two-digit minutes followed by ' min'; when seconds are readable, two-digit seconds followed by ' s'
4 h 51 min
